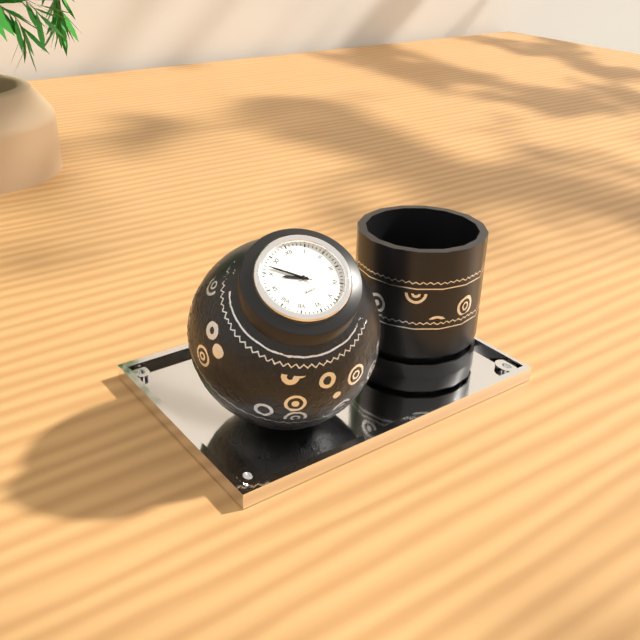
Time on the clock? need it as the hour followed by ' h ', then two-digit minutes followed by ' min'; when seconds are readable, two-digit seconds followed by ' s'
9 h 52 min 52 s
